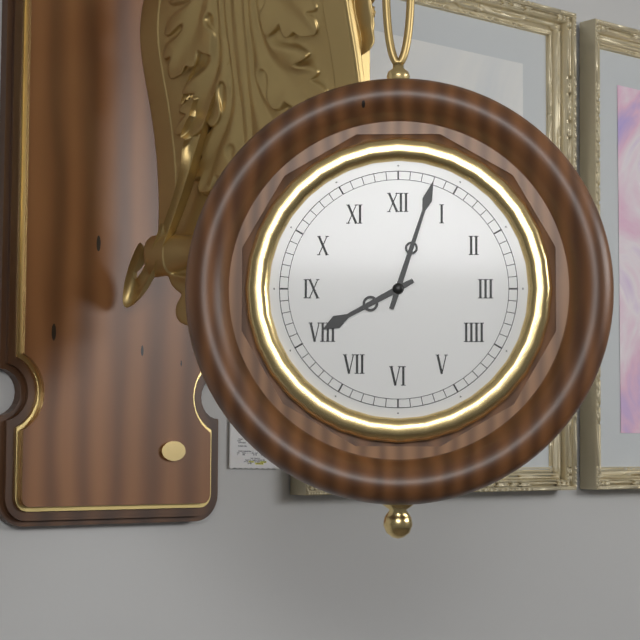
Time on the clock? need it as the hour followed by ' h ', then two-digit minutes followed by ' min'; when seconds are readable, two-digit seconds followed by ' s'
8 h 03 min
